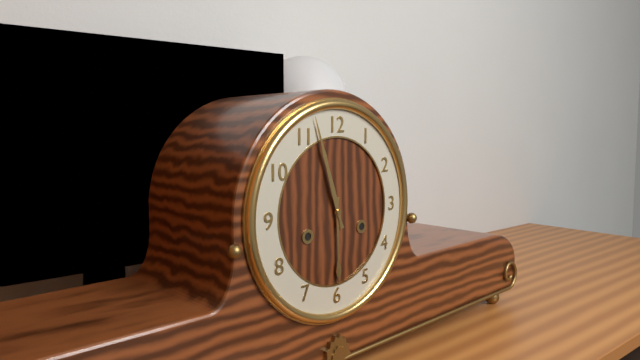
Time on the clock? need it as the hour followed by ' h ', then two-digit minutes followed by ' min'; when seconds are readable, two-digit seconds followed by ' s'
5 h 57 min
